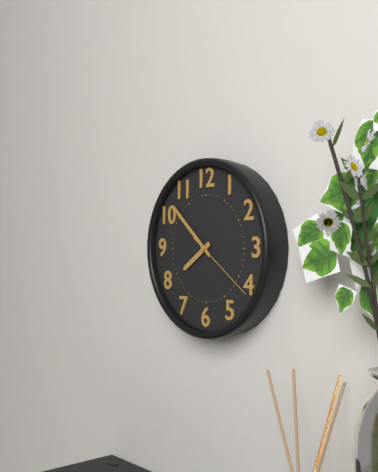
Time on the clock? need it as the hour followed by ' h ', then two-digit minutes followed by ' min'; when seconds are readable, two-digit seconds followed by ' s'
7 h 52 min 21 s
